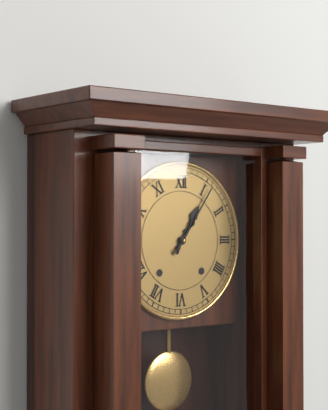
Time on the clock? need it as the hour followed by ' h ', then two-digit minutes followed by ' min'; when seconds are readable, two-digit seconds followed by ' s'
1 h 06 min
